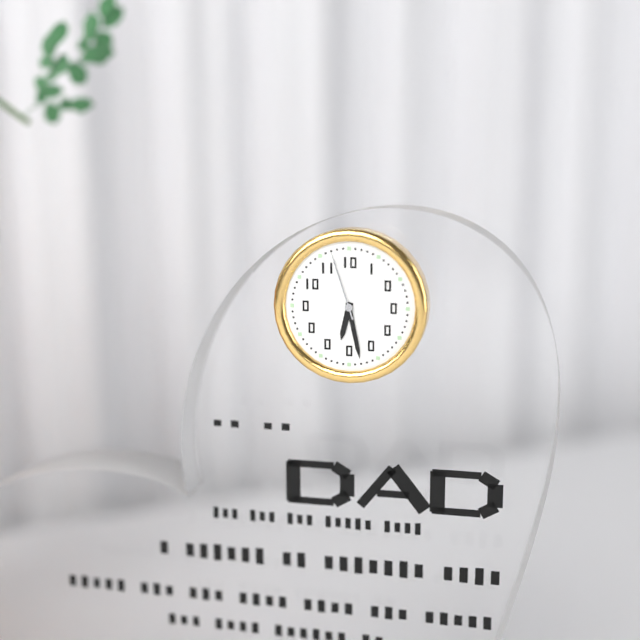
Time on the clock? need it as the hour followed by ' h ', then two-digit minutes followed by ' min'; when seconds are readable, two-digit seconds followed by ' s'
6 h 28 min 57 s
